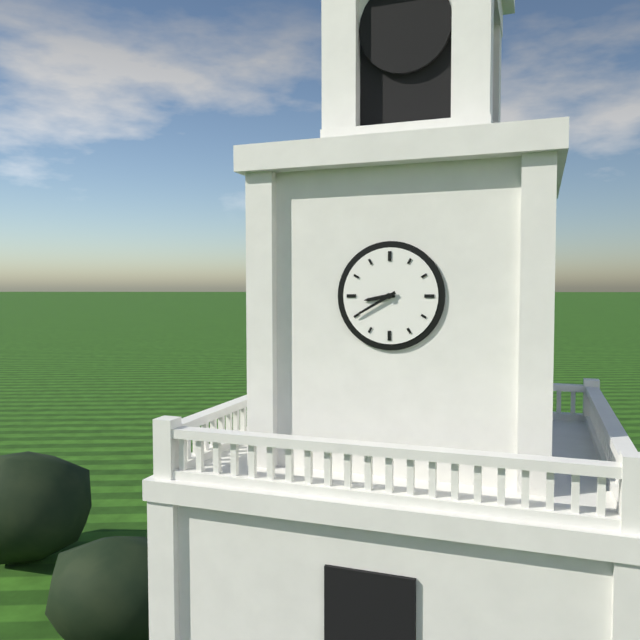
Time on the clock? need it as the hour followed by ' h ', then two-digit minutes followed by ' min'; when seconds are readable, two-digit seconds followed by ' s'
8 h 40 min
